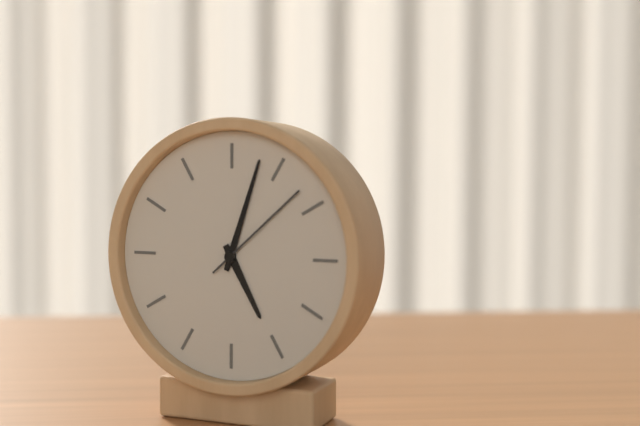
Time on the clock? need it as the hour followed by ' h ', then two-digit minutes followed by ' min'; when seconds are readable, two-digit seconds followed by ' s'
5 h 03 min 08 s
